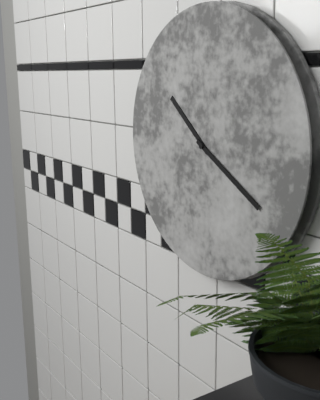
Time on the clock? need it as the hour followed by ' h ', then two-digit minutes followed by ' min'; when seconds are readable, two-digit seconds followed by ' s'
10 h 20 min
